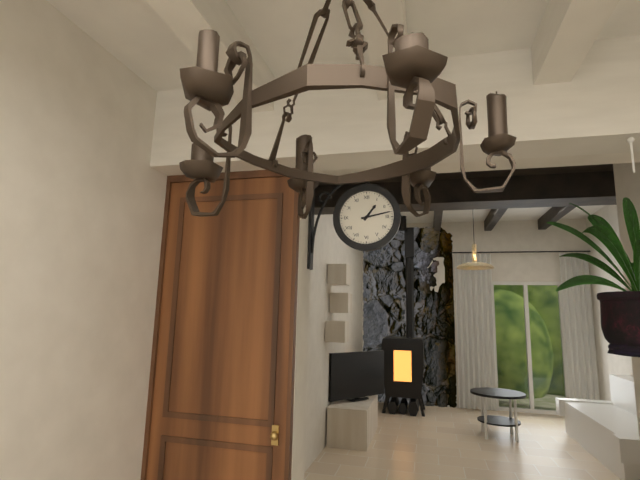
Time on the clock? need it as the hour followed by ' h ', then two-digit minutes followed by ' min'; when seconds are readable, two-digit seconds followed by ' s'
1 h 13 min
